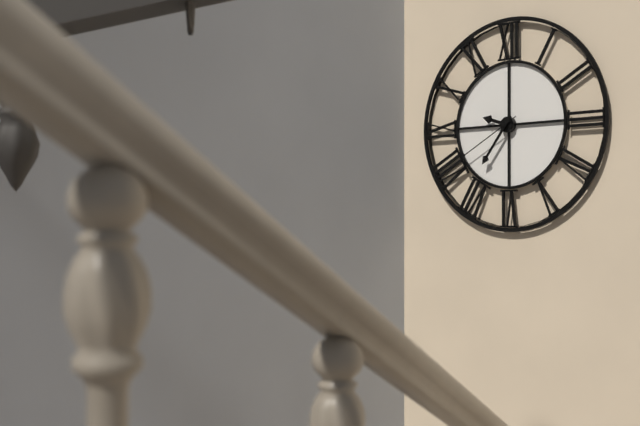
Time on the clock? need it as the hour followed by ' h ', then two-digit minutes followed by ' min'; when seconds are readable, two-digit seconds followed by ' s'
9 h 36 min 40 s
